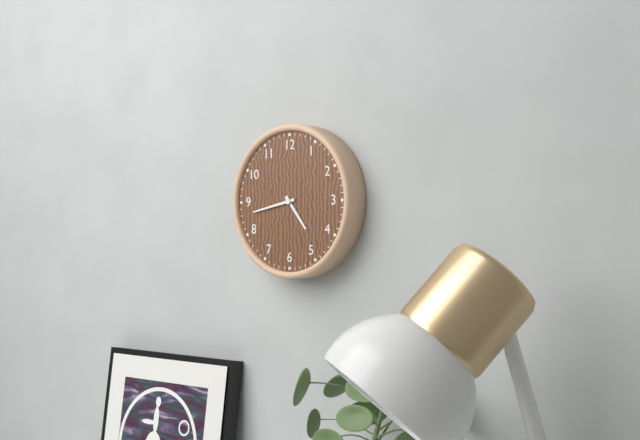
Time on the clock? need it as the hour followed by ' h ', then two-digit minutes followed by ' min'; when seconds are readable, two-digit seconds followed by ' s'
4 h 43 min
